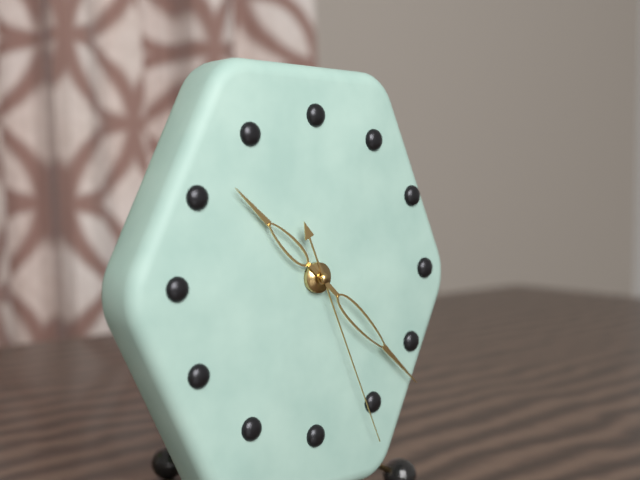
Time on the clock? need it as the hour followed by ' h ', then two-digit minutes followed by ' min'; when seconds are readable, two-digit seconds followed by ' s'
10 h 22 min 26 s
